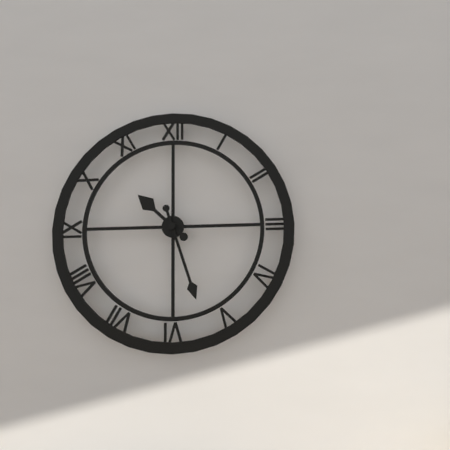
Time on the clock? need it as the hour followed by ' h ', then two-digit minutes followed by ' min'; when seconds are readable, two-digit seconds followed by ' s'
10 h 27 min
